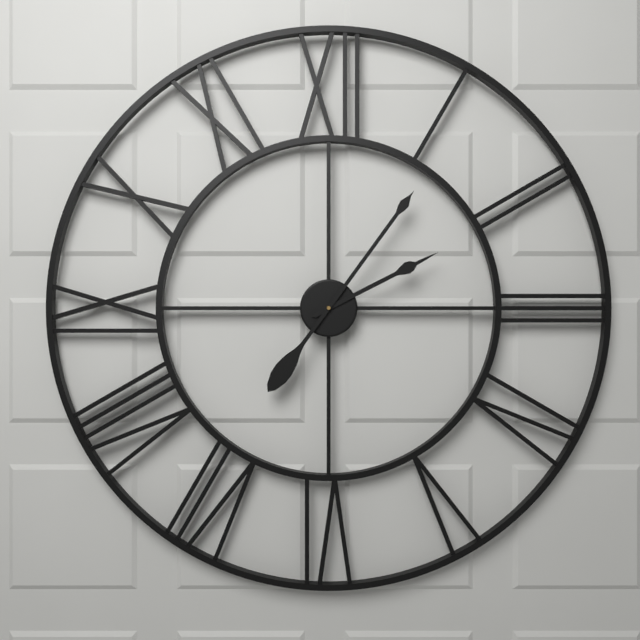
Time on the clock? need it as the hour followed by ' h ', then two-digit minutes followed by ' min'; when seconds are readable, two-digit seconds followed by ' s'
2 h 06 min
